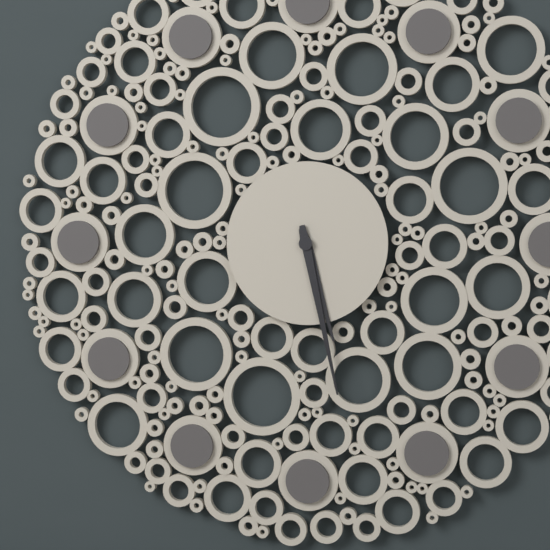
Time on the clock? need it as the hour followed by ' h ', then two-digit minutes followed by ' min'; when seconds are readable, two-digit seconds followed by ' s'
5 h 28 min
